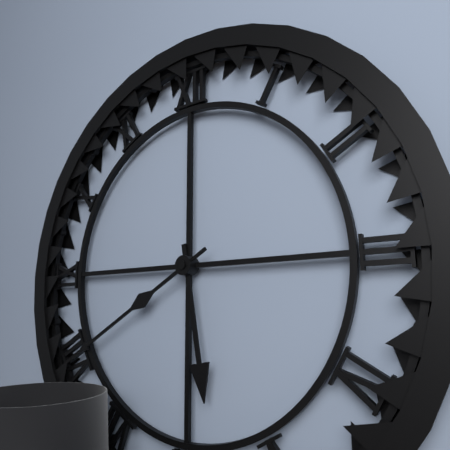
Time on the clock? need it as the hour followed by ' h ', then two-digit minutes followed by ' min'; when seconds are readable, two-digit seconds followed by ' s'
5 h 40 min
